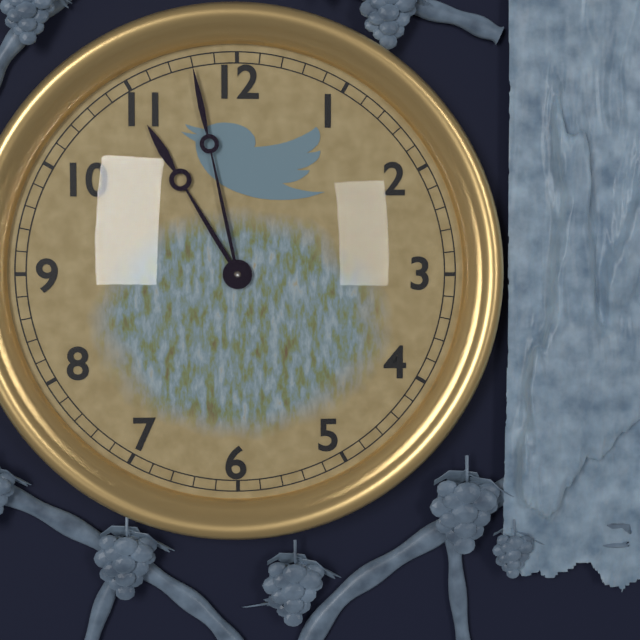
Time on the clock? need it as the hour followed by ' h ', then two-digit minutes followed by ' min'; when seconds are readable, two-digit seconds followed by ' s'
10 h 58 min
